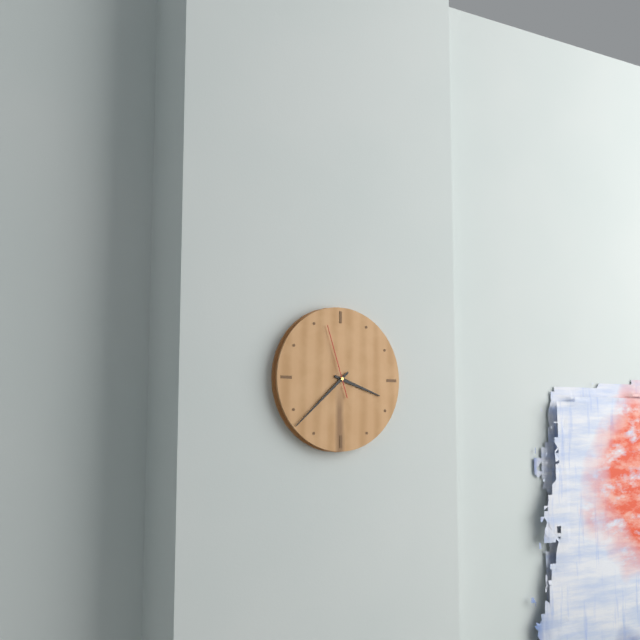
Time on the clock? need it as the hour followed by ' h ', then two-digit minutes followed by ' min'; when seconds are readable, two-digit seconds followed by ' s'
3 h 38 min 57 s
